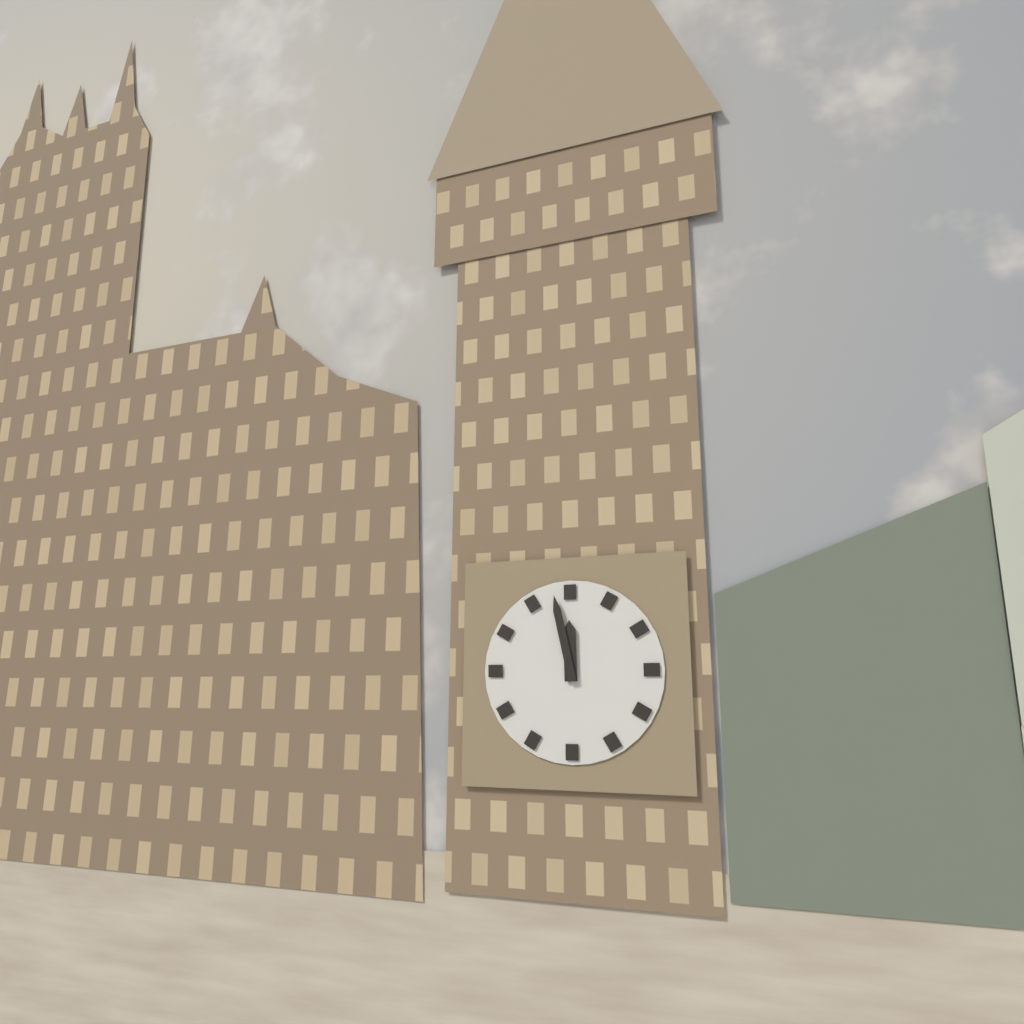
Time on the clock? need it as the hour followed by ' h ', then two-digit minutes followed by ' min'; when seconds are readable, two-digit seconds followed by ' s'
11 h 58 min
